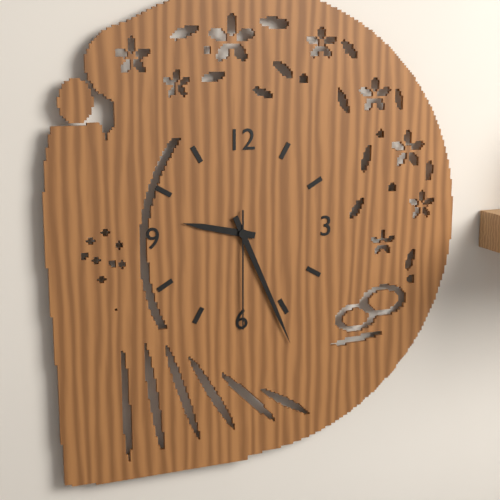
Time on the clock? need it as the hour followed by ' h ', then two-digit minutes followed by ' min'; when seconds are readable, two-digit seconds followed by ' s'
9 h 26 min 30 s
